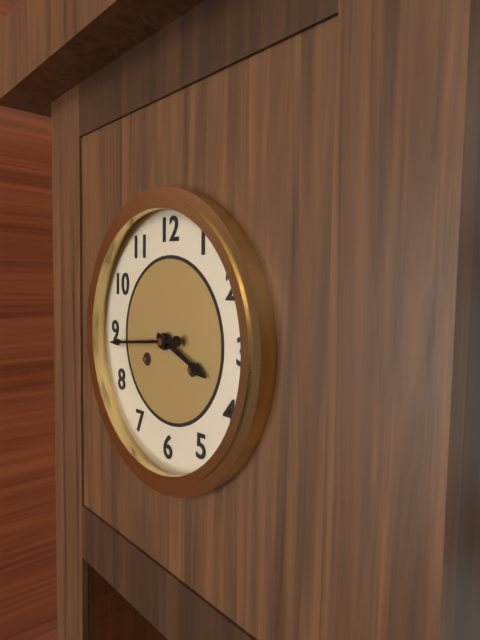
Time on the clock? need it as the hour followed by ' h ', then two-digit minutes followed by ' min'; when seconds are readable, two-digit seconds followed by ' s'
3 h 44 min
